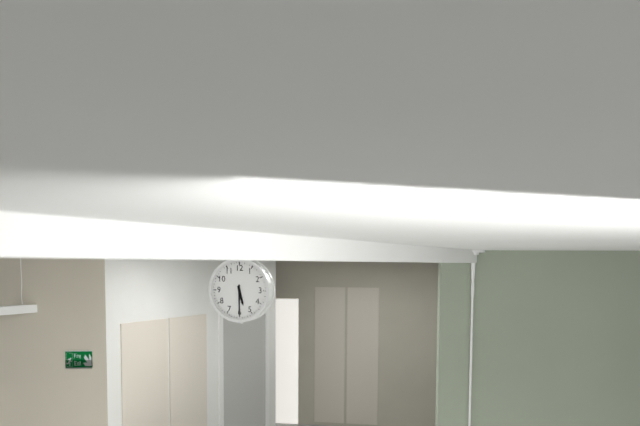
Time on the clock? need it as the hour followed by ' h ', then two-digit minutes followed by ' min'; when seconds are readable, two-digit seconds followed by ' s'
5 h 30 min
